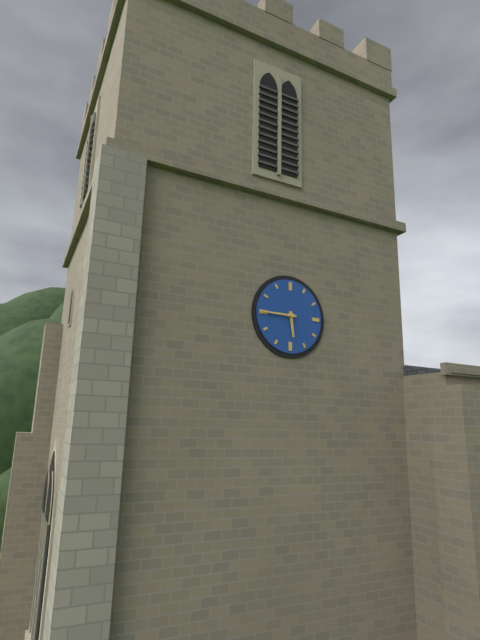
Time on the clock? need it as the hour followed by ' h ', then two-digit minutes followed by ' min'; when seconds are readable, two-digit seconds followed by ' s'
5 h 45 min
